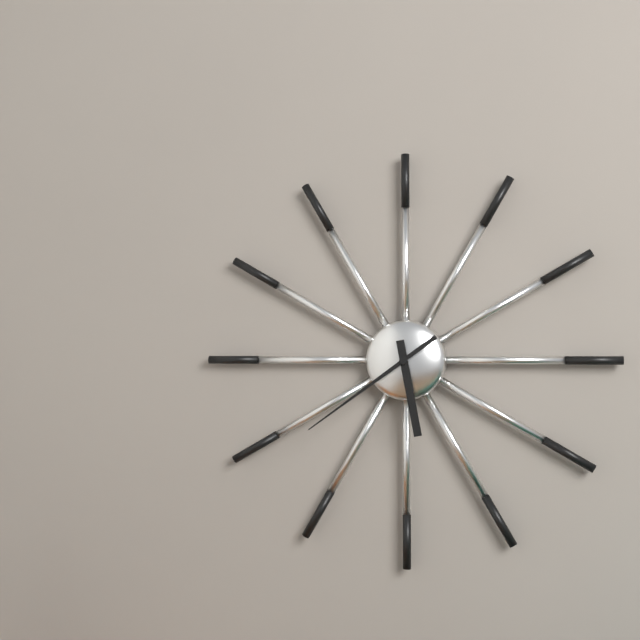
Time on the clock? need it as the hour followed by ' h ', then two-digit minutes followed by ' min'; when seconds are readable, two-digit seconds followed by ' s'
5 h 39 min
